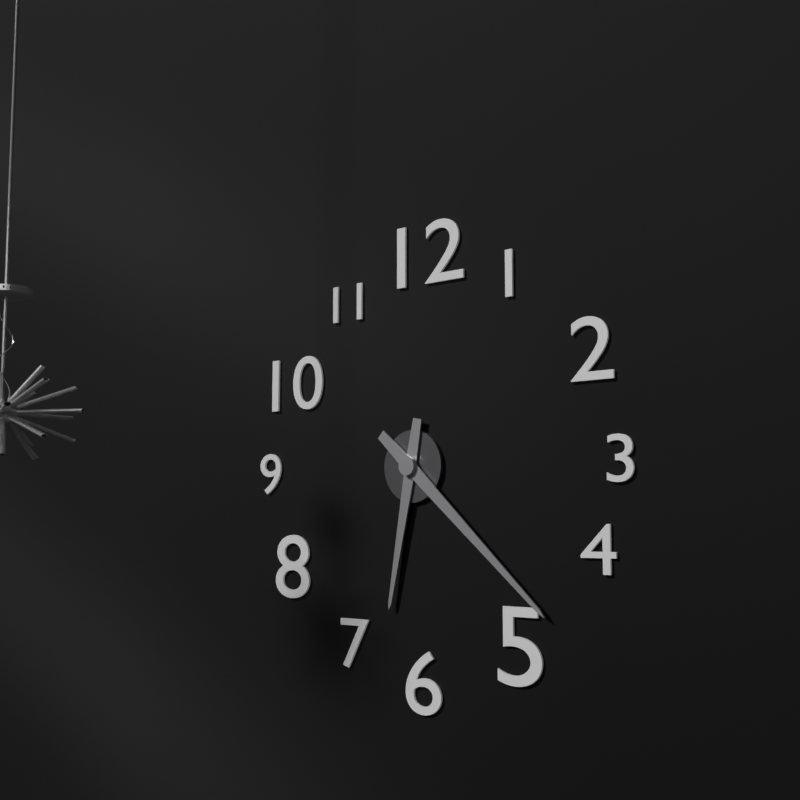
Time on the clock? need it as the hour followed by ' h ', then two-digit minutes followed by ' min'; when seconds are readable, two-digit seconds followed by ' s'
6 h 22 min
